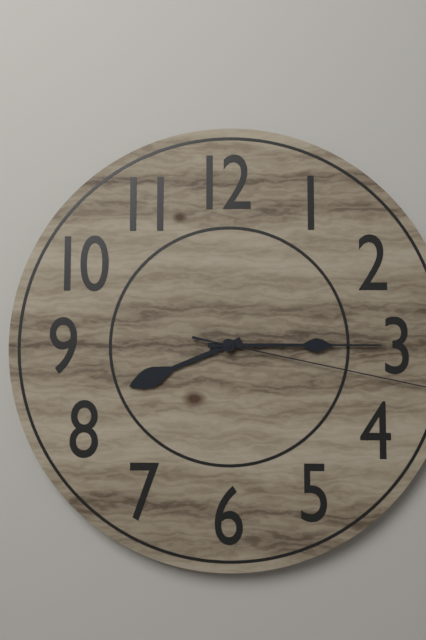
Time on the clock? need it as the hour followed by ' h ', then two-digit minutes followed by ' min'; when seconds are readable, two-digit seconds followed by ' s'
8 h 15 min
